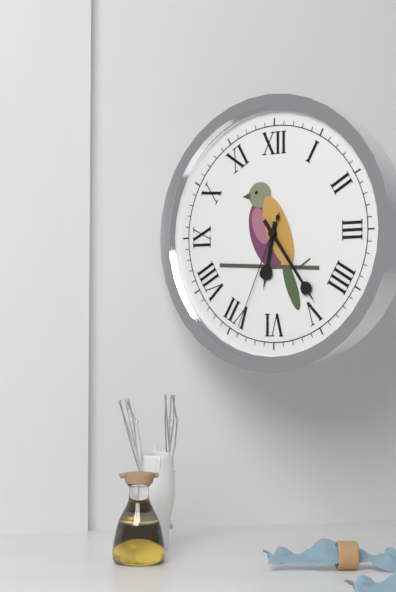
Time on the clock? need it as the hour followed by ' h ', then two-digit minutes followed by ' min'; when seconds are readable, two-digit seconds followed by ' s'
6 h 24 min 34 s
